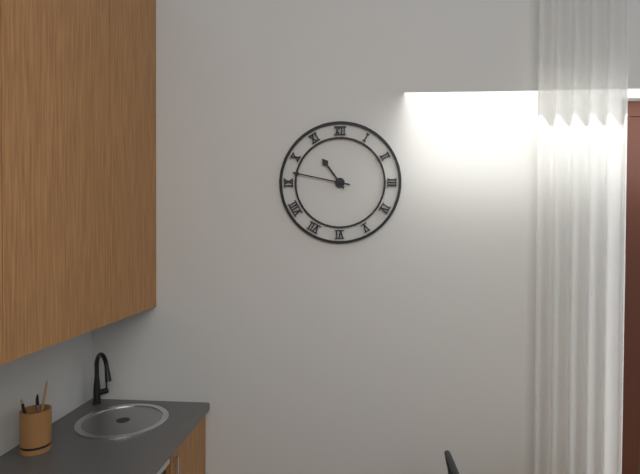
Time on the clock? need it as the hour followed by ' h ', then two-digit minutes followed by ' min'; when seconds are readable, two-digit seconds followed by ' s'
10 h 47 min
